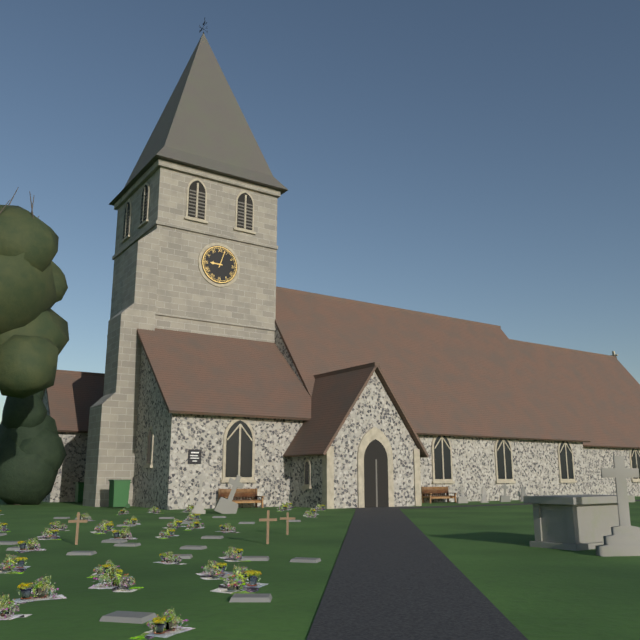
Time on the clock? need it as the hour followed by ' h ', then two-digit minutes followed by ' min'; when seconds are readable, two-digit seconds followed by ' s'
9 h 03 min
